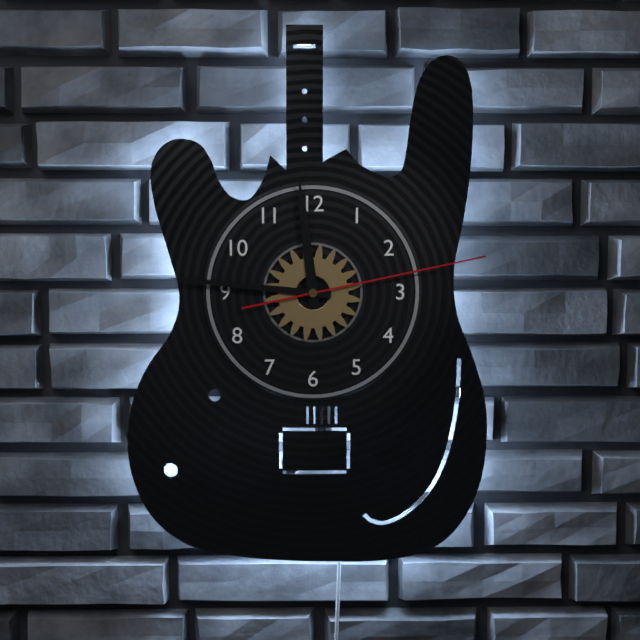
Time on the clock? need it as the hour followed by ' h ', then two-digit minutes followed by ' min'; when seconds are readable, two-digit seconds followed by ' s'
11 h 46 min 13 s
